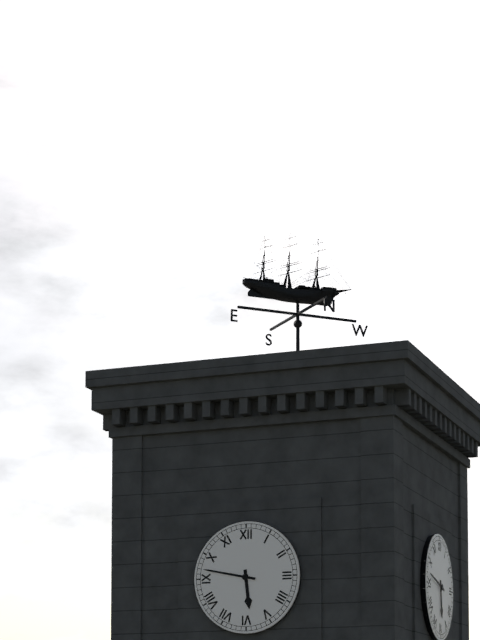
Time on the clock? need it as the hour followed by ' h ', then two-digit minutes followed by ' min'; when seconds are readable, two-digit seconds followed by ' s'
5 h 47 min
